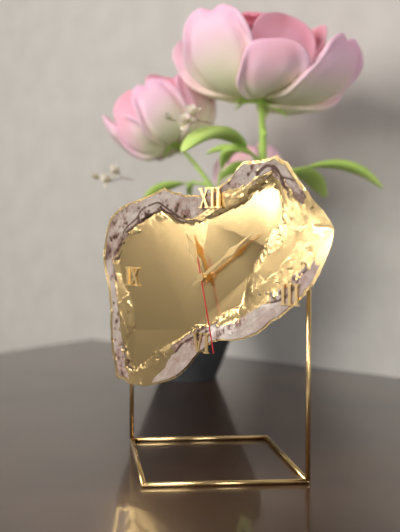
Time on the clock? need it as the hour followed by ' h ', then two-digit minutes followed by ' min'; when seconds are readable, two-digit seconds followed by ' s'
11 h 09 min 28 s
